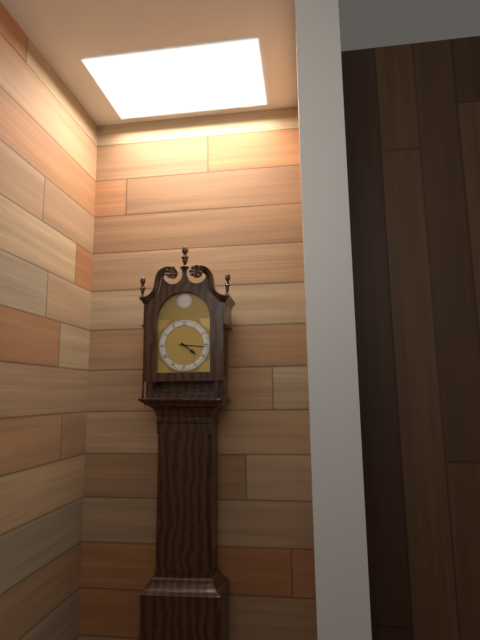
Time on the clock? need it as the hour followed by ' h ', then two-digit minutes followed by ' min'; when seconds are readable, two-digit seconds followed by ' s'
4 h 16 min
